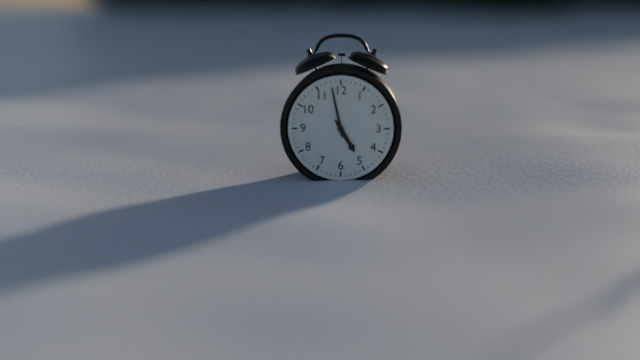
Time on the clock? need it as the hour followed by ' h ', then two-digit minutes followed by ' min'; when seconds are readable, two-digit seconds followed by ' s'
4 h 58 min
